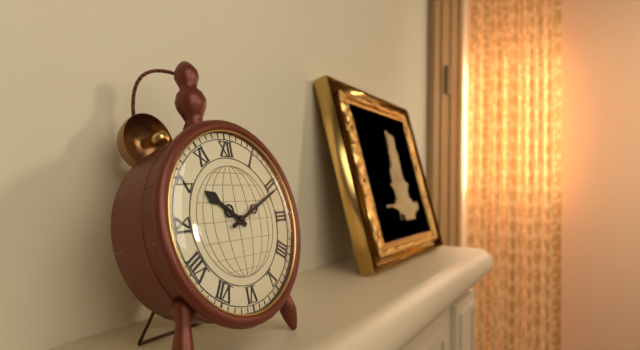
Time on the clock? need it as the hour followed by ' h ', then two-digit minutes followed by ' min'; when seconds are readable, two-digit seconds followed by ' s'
10 h 11 min
